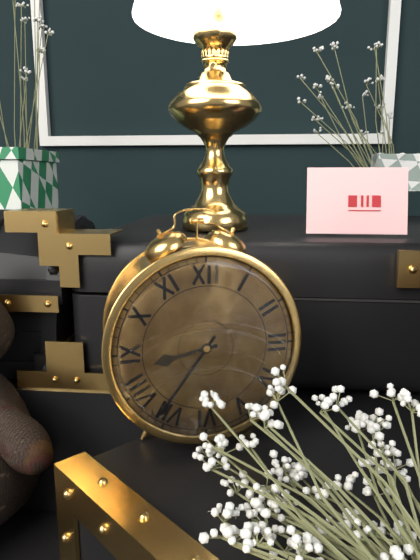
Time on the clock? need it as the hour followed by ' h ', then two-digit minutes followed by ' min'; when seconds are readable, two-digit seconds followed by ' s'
8 h 36 min
